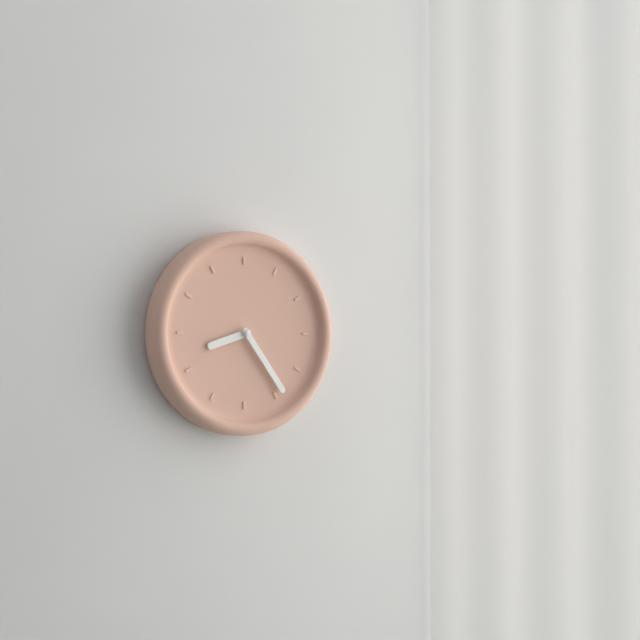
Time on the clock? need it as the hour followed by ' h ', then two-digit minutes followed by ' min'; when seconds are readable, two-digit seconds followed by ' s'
8 h 24 min
